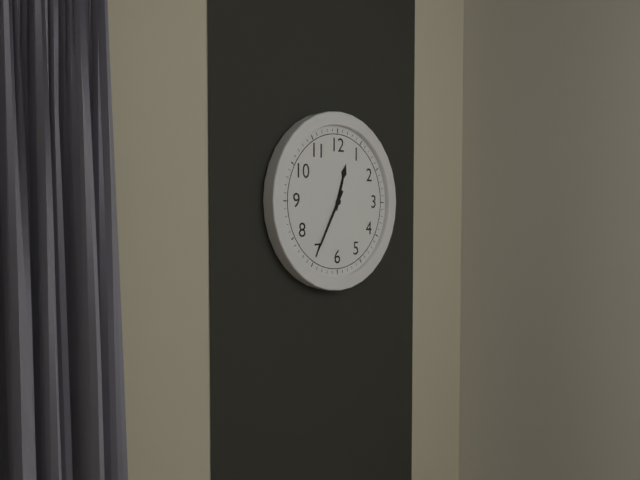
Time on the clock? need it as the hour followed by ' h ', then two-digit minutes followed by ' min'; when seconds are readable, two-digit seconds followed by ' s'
12 h 35 min
